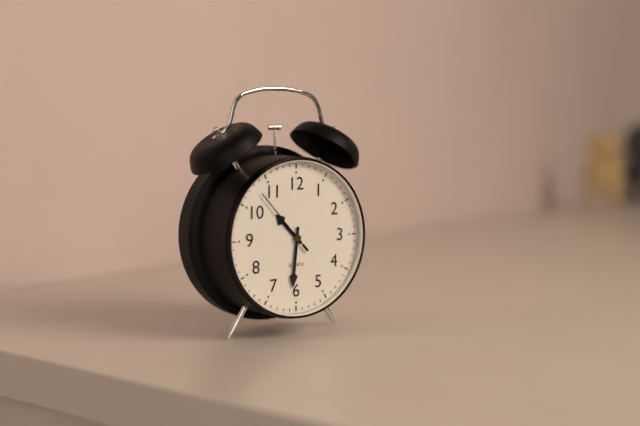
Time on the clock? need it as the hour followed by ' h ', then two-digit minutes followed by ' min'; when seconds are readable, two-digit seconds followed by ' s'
10 h 31 min 53 s
